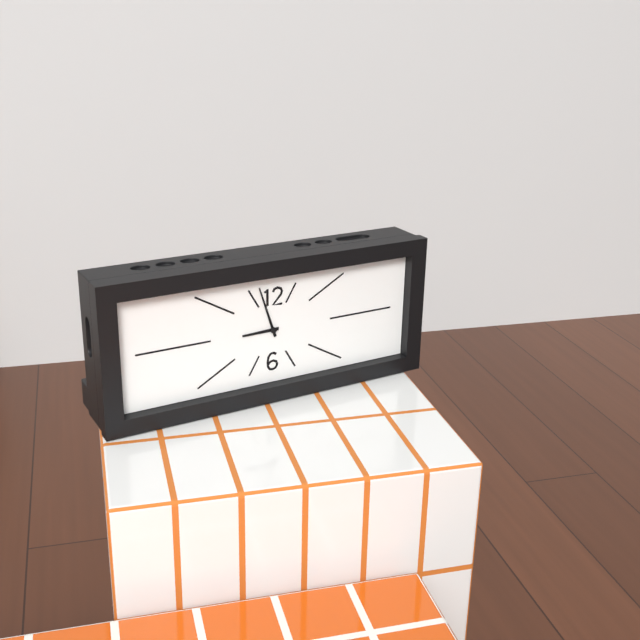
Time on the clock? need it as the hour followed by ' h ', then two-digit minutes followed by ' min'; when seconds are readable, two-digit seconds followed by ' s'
8 h 57 min
